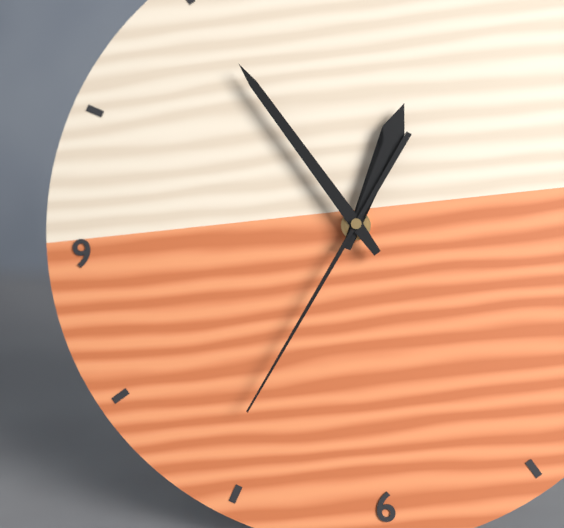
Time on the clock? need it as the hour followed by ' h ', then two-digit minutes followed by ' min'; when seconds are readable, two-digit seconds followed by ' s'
12 h 55 min 36 s
